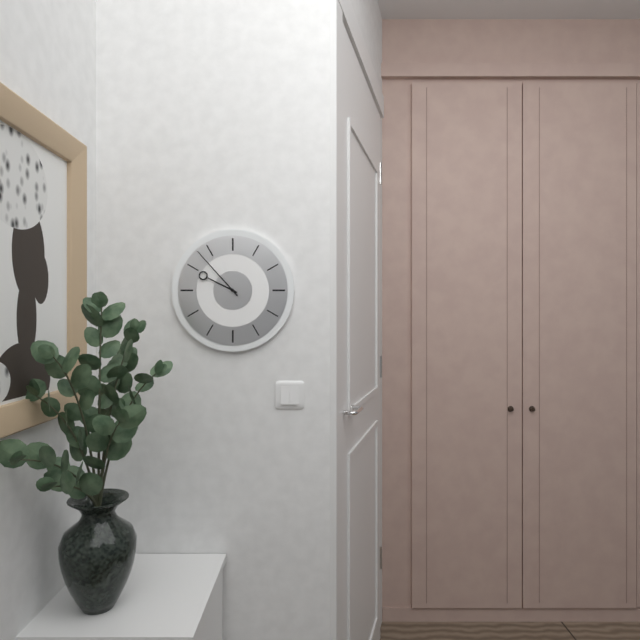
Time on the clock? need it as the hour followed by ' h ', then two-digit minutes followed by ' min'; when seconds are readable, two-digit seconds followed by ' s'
9 h 53 min
